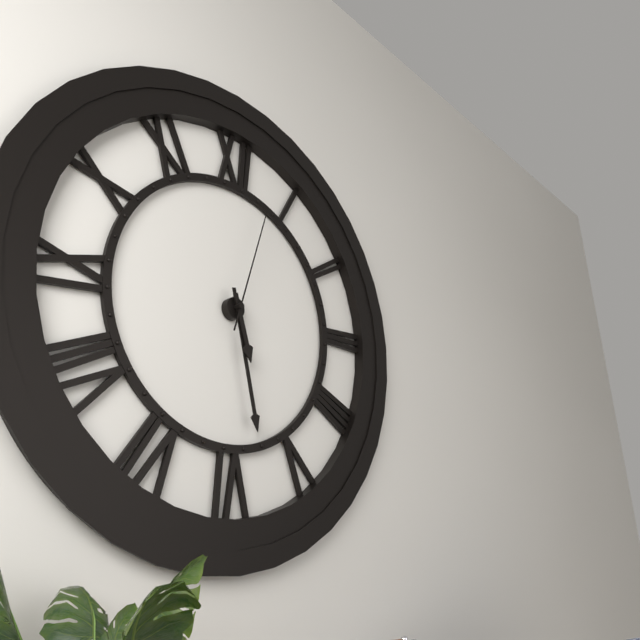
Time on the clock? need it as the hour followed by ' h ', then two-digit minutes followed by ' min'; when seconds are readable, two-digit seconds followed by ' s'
5 h 28 min 03 s
